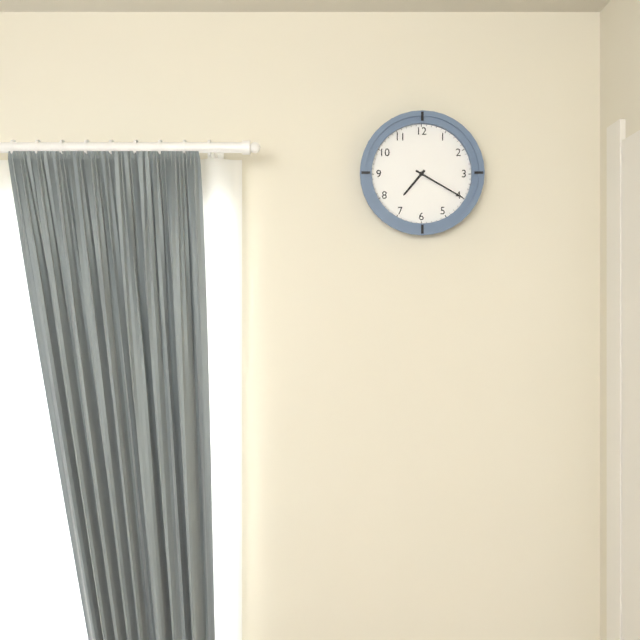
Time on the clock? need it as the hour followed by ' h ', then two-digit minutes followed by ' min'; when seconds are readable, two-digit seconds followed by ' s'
7 h 20 min
